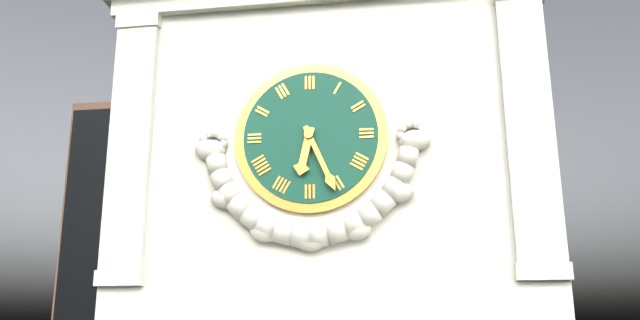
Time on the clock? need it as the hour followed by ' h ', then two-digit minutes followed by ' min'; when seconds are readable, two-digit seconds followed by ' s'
6 h 26 min
